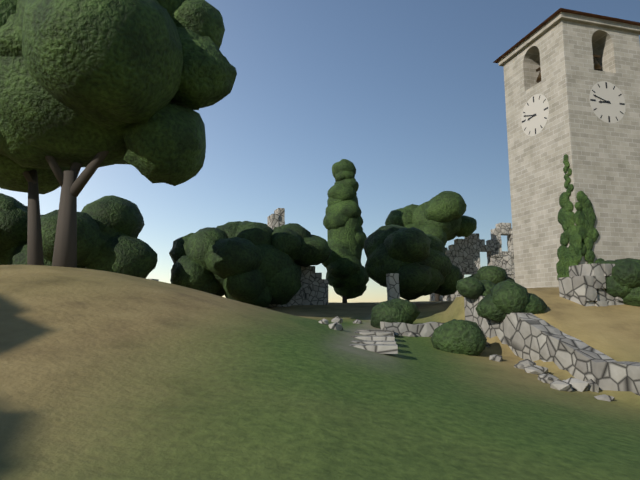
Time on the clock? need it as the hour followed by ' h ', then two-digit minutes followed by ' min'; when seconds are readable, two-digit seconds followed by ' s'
8 h 48 min
